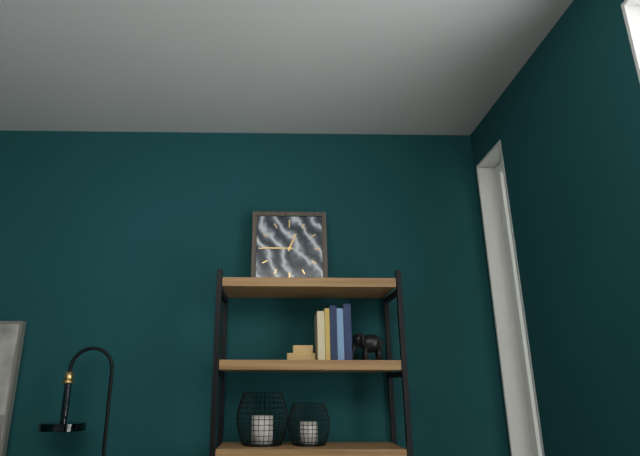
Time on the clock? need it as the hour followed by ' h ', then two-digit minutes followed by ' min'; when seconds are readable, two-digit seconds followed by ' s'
12 h 45 min
